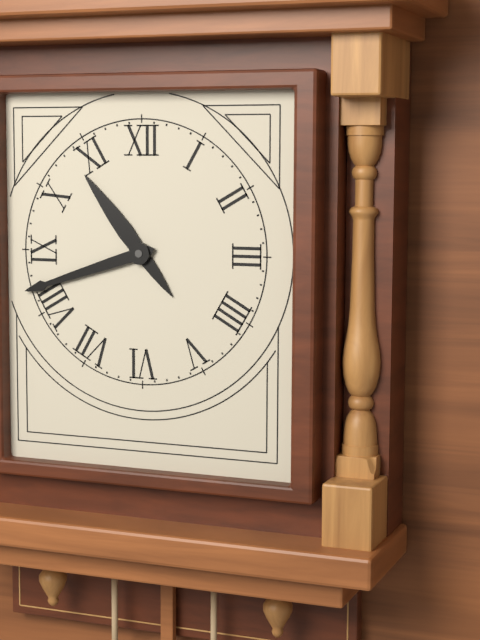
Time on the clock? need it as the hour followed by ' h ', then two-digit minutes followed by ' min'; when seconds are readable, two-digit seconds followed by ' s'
10 h 42 min
